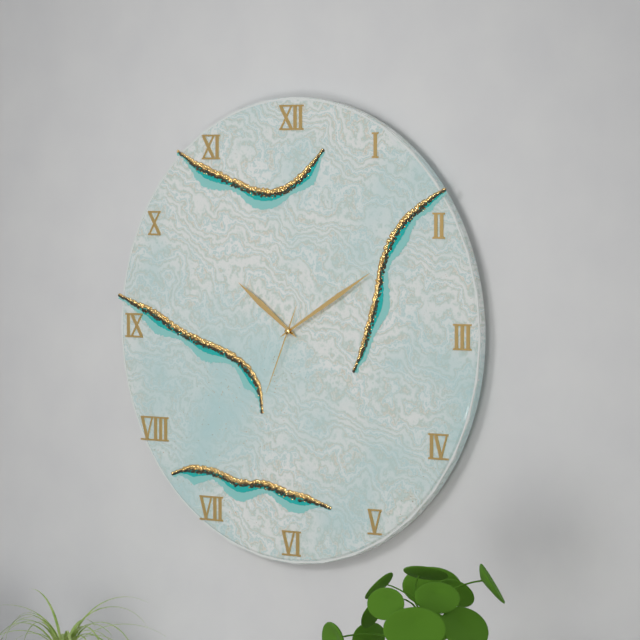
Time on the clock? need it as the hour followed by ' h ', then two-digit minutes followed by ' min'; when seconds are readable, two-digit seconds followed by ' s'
10 h 10 min 34 s
